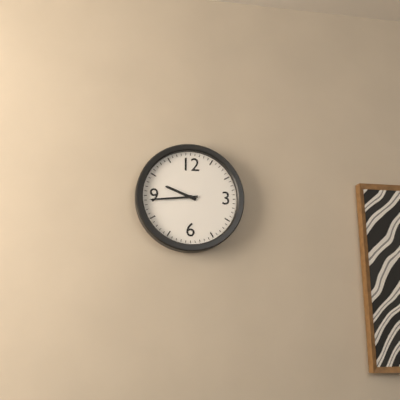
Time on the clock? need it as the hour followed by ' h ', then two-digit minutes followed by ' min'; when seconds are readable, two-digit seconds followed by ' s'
9 h 44 min
